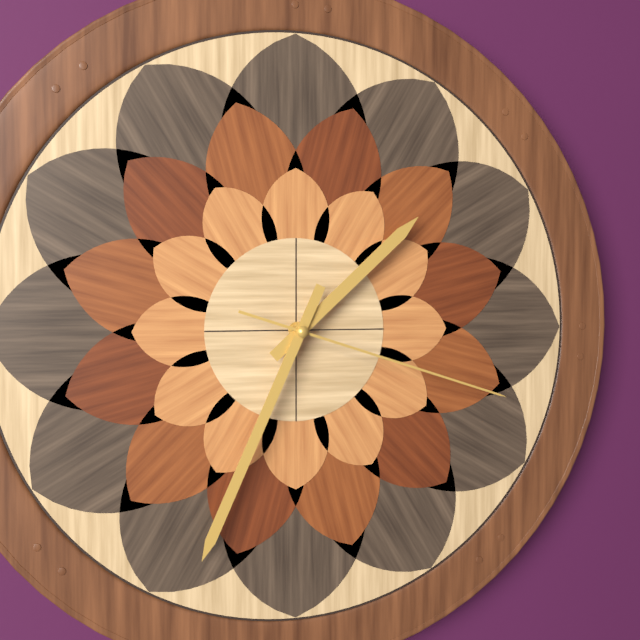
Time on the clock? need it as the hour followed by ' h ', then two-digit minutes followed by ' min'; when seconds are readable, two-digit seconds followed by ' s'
1 h 34 min 18 s
